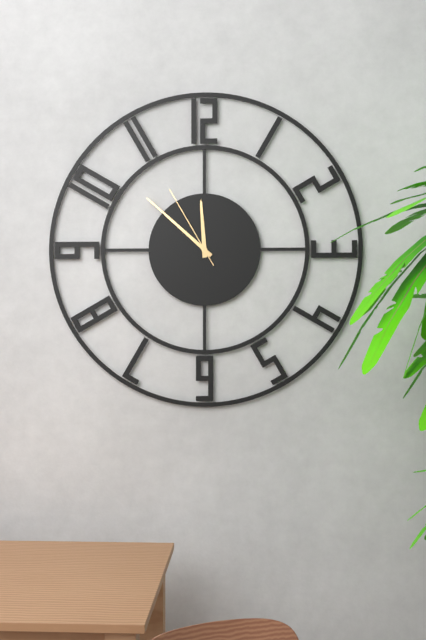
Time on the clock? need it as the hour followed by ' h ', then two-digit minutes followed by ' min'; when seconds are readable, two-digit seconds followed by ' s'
11 h 52 min 55 s
